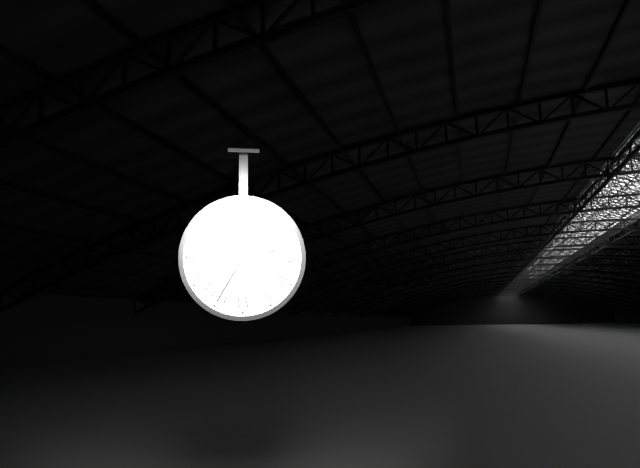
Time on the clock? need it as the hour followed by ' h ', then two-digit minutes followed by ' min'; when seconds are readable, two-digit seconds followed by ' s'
2 h 35 min
